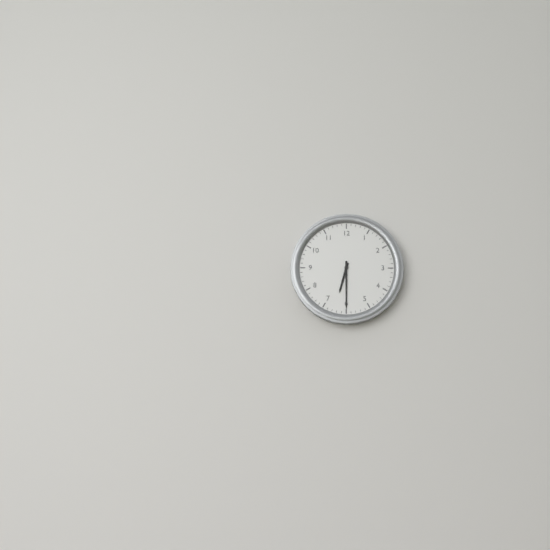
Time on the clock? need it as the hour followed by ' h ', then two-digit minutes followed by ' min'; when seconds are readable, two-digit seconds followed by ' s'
6 h 30 min
